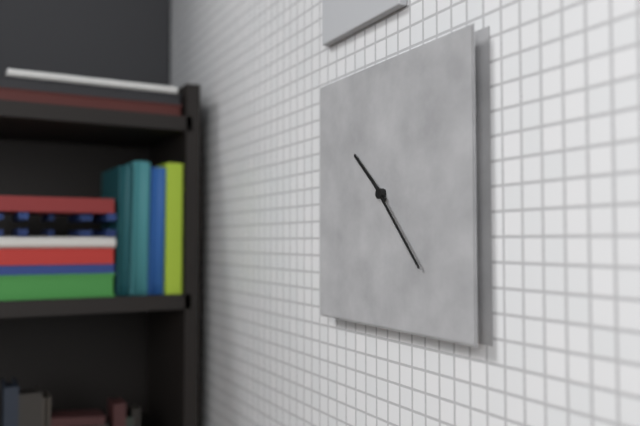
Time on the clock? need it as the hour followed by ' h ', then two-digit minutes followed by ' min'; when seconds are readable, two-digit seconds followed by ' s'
10 h 23 min
